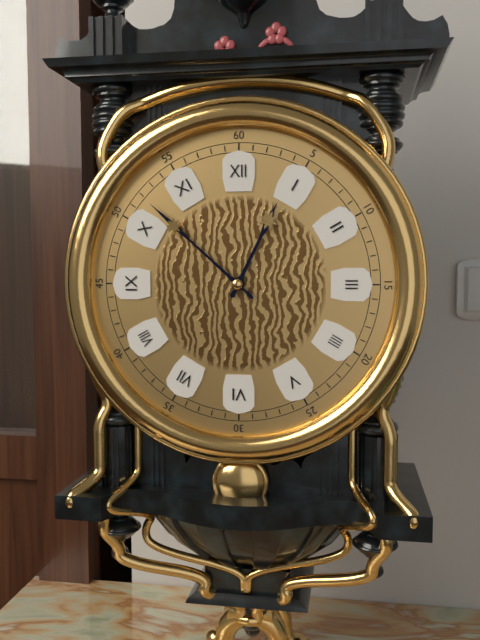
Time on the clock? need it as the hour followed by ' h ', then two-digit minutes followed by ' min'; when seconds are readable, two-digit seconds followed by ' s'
12 h 52 min
